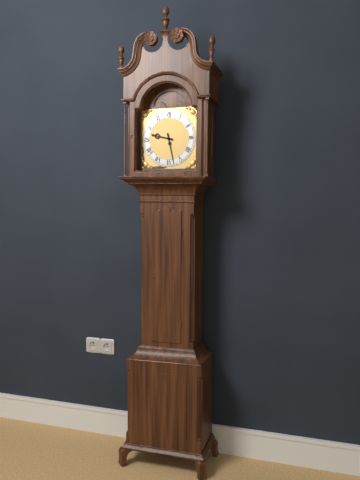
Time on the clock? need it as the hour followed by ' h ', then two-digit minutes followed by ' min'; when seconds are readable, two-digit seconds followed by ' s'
9 h 28 min
